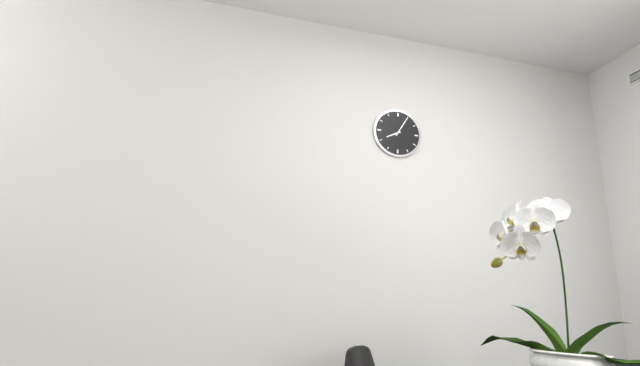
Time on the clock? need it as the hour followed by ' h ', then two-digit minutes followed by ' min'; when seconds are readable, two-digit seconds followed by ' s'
8 h 05 min
